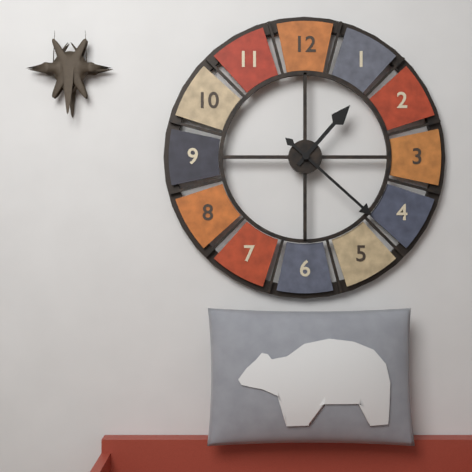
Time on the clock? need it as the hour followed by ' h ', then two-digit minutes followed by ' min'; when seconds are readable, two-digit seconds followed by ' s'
1 h 22 min
